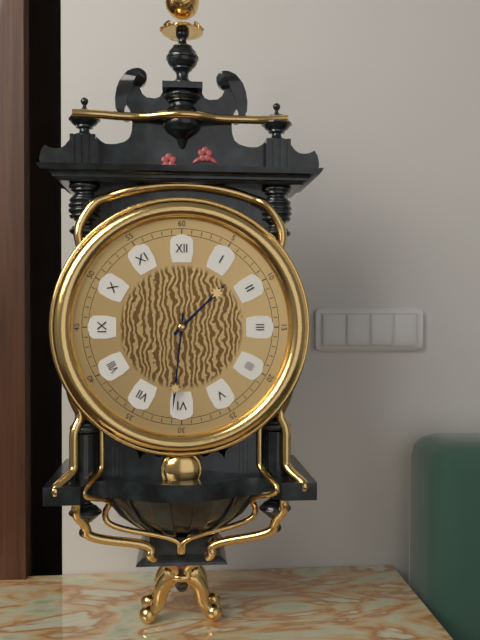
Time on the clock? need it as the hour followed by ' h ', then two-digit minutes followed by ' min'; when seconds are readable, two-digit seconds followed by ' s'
1 h 31 min
